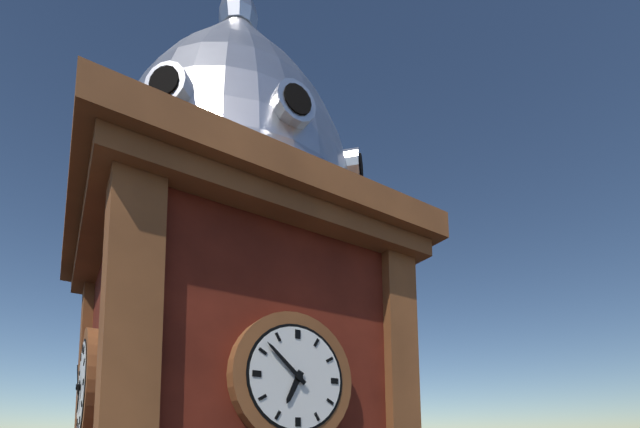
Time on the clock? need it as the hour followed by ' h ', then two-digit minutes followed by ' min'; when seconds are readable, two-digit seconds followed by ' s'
6 h 52 min
